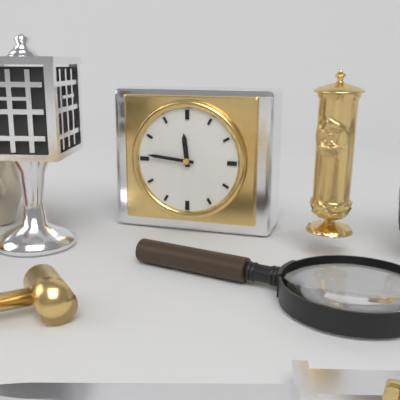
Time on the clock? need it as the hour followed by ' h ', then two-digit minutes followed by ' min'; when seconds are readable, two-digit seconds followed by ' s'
11 h 46 min
